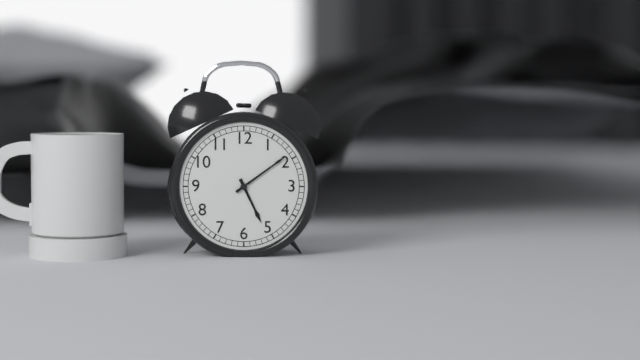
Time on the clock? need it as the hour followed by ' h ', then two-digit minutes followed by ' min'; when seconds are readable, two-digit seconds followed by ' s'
5 h 09 min
